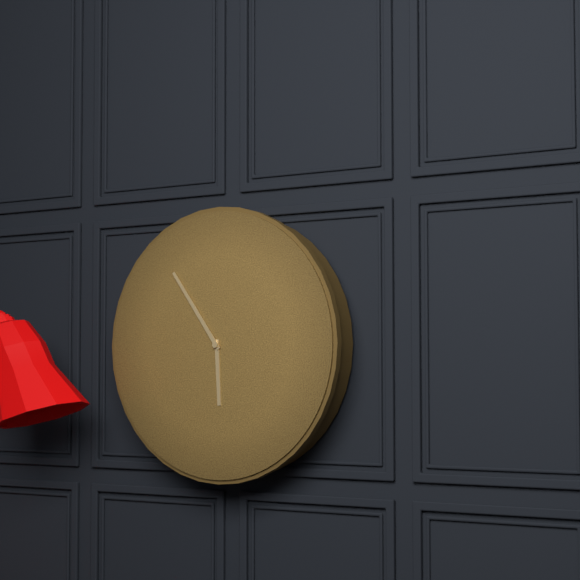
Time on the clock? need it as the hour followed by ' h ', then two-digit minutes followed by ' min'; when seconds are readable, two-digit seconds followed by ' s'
5 h 54 min
